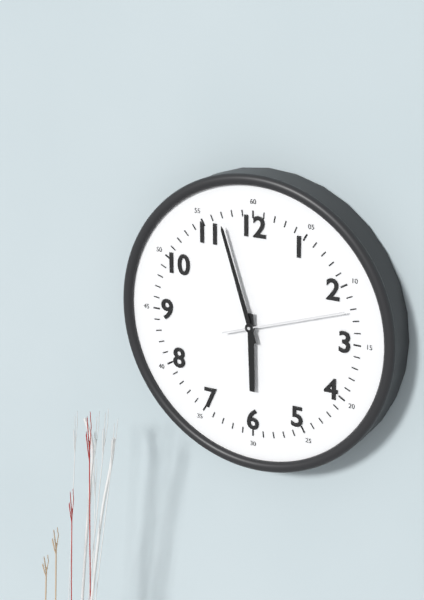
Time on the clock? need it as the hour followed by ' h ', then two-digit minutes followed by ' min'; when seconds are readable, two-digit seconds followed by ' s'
5 h 57 min 12 s
